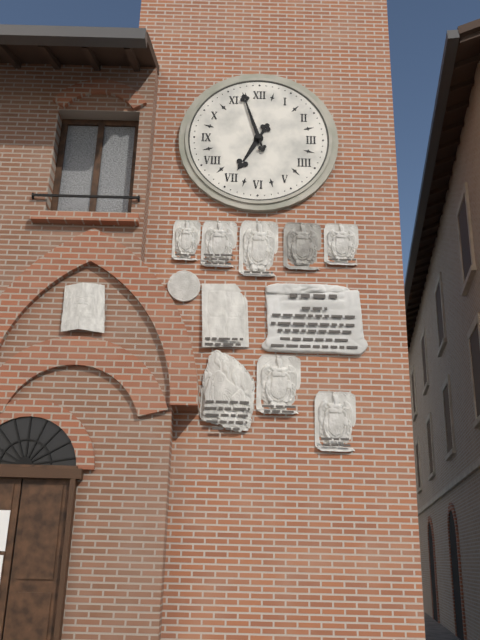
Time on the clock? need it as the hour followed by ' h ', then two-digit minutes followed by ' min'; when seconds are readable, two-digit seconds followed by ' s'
6 h 57 min
